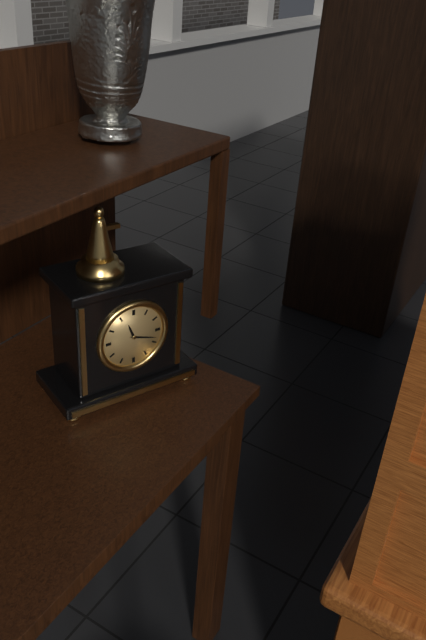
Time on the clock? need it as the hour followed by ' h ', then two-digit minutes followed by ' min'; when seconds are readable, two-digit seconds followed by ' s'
11 h 18 min
